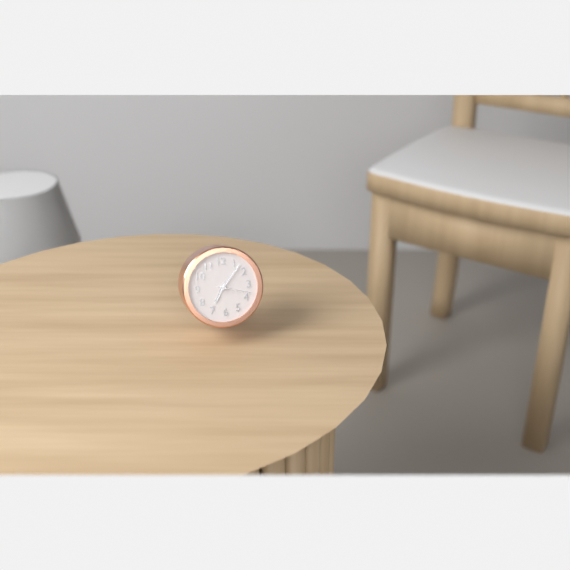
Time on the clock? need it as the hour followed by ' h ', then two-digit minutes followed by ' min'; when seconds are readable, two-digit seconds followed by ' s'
7 h 07 min
